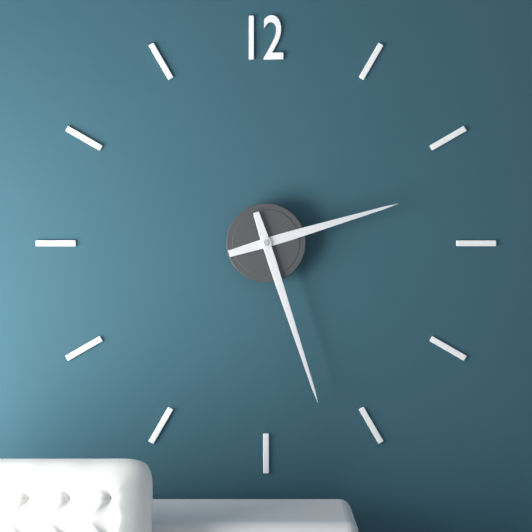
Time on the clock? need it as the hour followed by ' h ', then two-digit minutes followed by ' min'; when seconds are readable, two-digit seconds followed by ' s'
2 h 27 min
